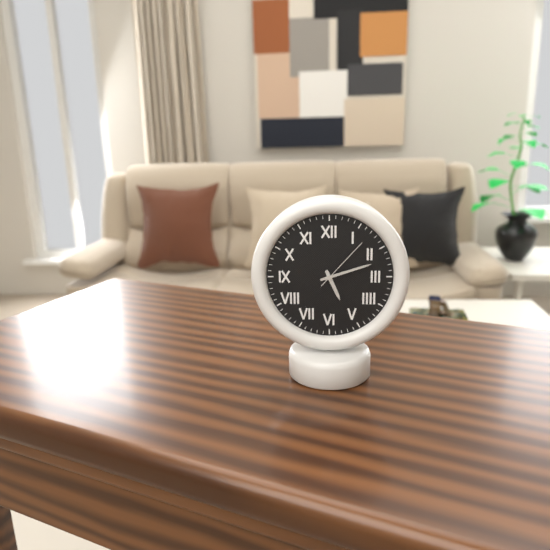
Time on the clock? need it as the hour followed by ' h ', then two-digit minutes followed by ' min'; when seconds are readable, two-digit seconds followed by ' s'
5 h 12 min 07 s
